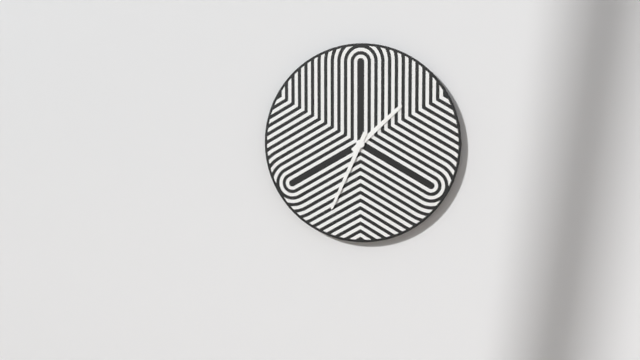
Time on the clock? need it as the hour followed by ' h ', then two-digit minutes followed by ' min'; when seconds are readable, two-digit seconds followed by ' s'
1 h 34 min
